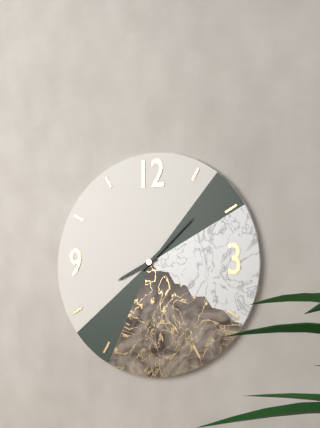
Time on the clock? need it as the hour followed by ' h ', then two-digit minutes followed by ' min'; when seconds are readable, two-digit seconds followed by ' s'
8 h 08 min
